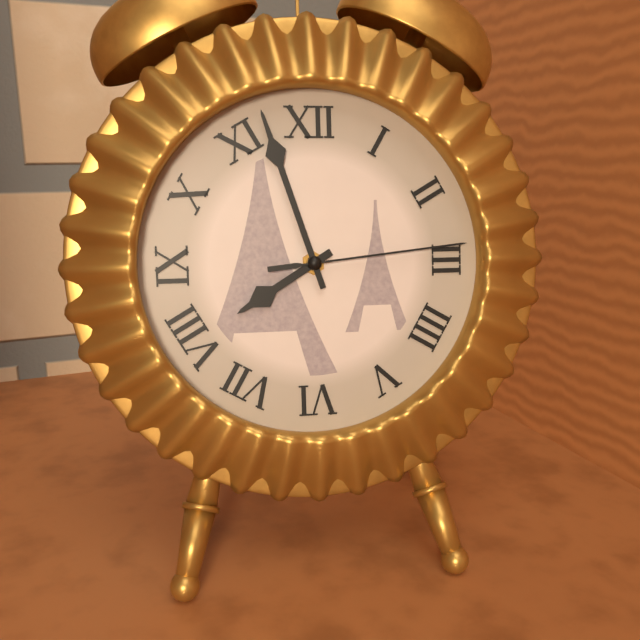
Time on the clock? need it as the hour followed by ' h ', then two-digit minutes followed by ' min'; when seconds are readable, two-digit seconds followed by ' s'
7 h 57 min 14 s
